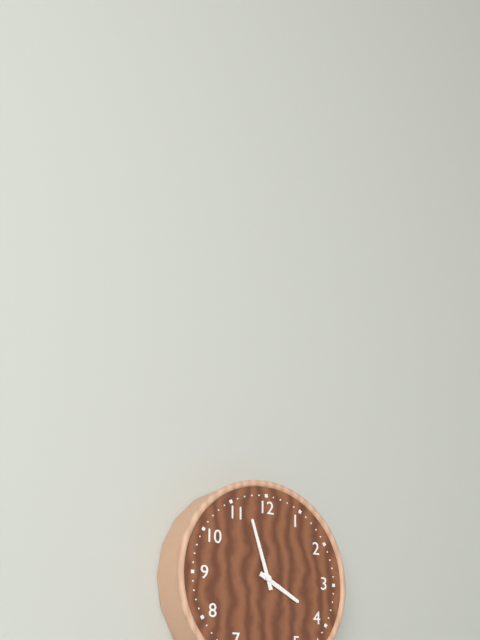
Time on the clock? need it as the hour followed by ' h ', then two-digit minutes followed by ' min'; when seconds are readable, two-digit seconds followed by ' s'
3 h 57 min
